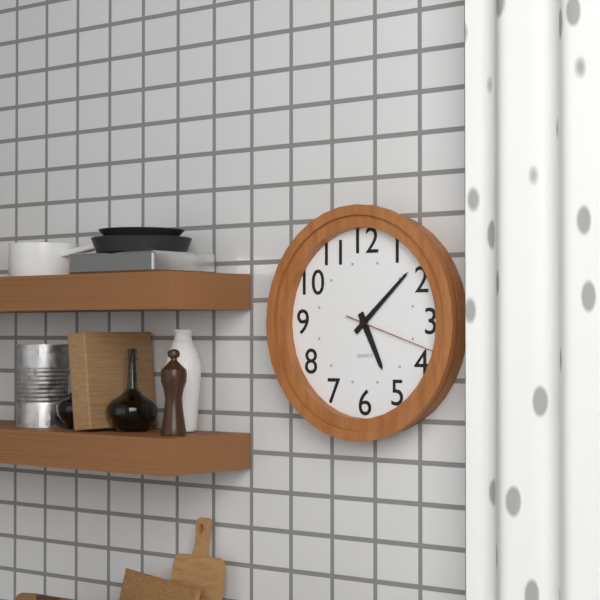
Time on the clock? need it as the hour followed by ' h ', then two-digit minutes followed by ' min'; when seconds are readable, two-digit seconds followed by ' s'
5 h 08 min 18 s
